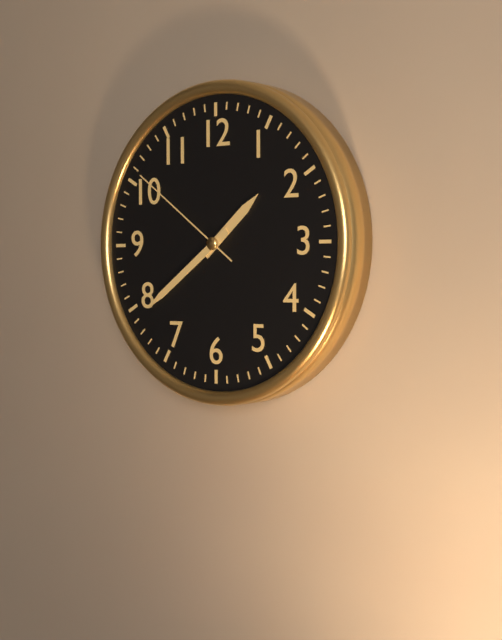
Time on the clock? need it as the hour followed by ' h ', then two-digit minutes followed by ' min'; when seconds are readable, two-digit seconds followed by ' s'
1 h 39 min 51 s
